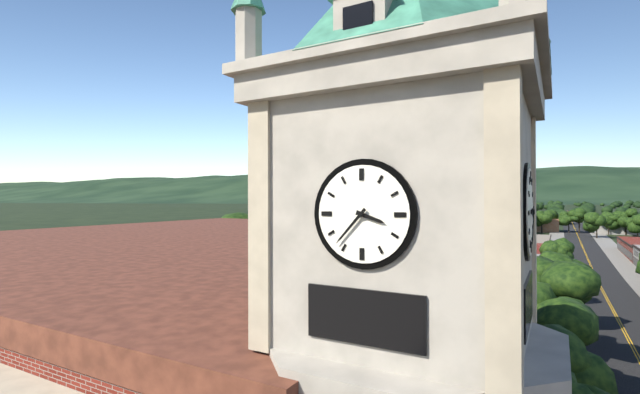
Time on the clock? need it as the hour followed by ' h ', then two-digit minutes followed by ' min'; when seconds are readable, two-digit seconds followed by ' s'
3 h 37 min
